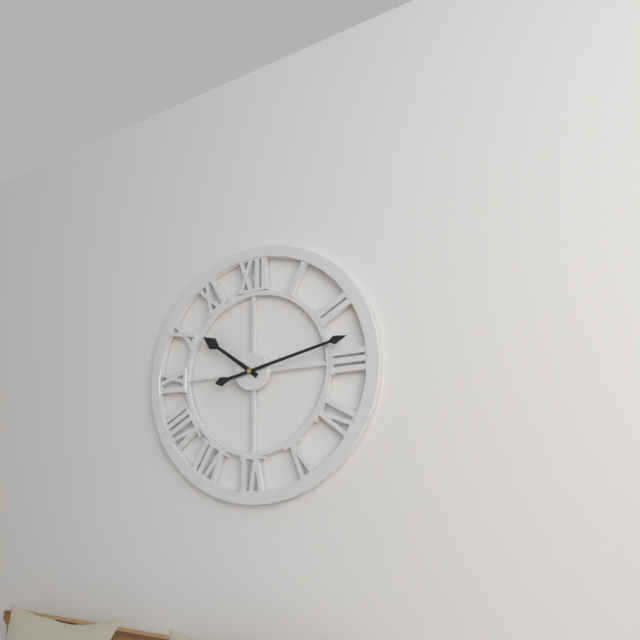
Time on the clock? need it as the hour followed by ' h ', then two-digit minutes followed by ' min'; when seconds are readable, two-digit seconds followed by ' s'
10 h 13 min
